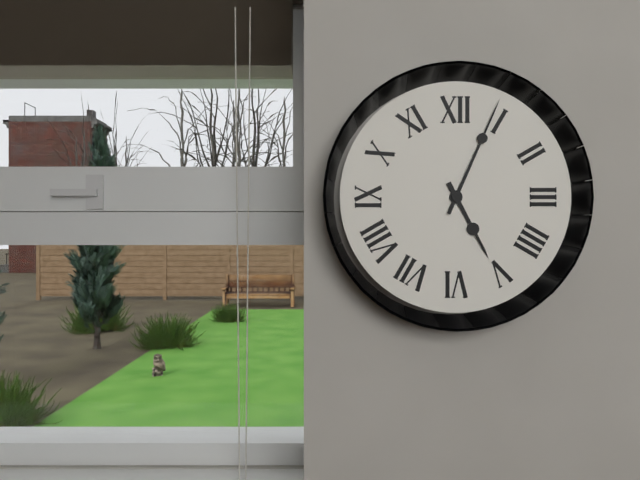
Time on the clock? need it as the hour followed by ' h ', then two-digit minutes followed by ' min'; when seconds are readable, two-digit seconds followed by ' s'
5 h 04 min
